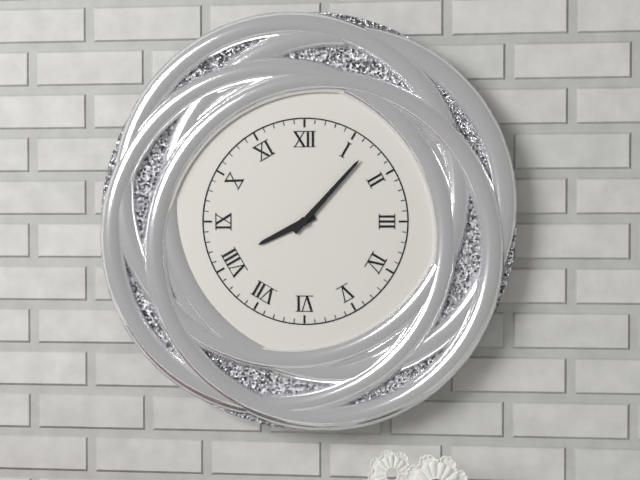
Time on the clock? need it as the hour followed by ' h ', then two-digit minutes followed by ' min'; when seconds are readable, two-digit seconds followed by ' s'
8 h 07 min
